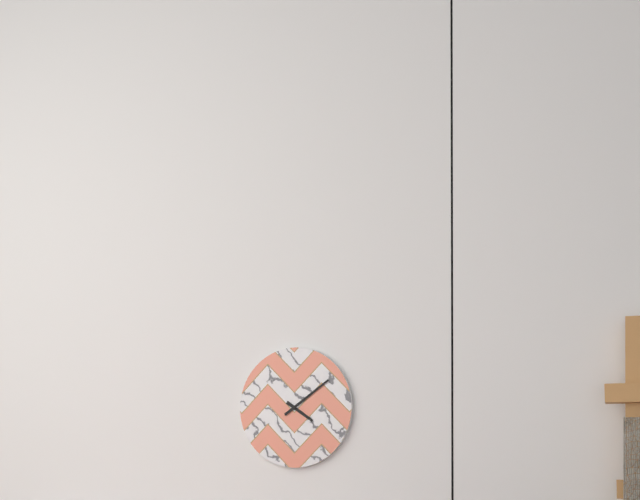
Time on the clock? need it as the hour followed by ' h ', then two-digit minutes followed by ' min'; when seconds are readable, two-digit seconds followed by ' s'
4 h 09 min
